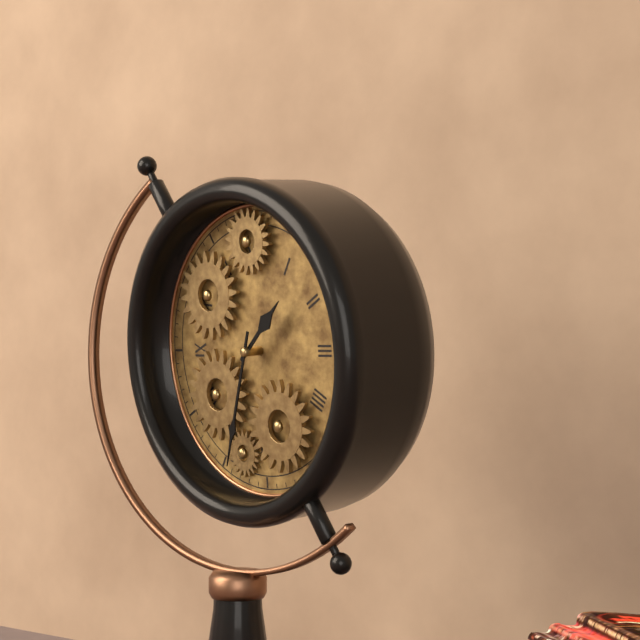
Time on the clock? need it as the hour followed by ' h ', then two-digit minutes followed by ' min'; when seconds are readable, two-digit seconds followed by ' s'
1 h 33 min
